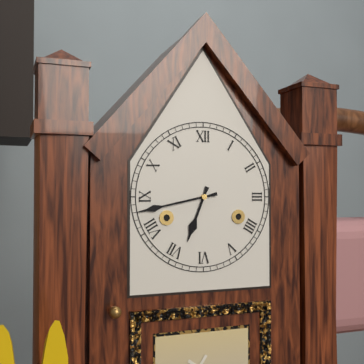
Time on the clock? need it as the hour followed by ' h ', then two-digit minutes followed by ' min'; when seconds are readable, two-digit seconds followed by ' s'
6 h 43 min
